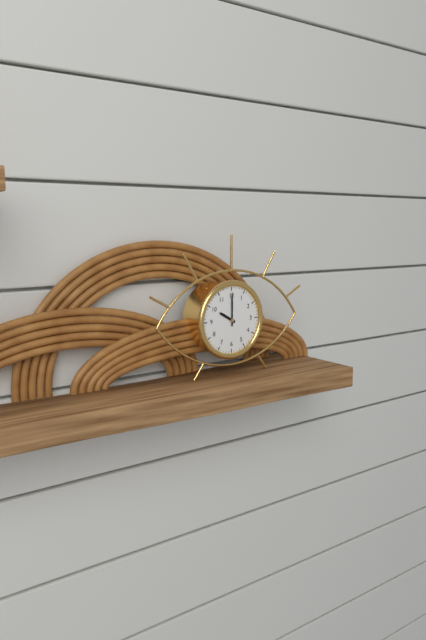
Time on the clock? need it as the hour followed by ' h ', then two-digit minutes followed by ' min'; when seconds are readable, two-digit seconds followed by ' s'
10 h 00 min
